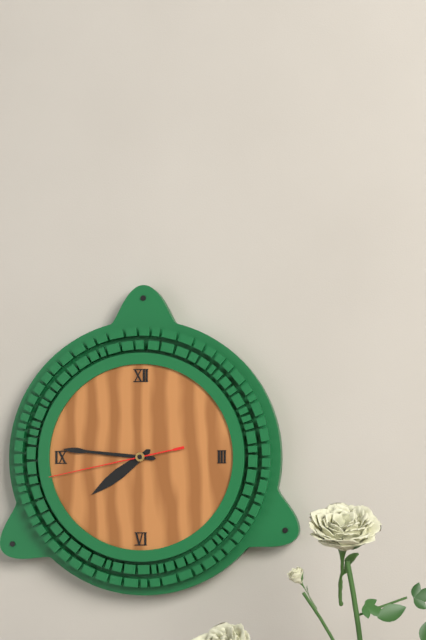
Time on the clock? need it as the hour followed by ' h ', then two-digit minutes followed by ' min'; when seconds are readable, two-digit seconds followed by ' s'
7 h 46 min 43 s
